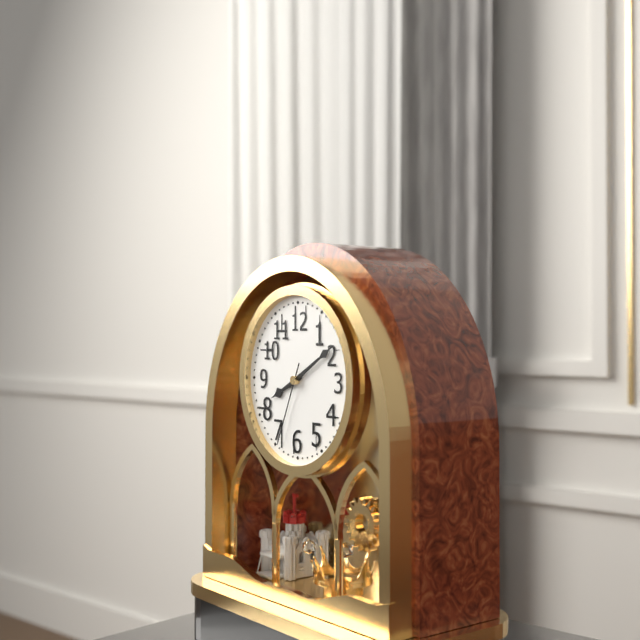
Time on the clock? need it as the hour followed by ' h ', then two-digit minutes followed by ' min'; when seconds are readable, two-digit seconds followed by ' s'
8 h 10 min 34 s
